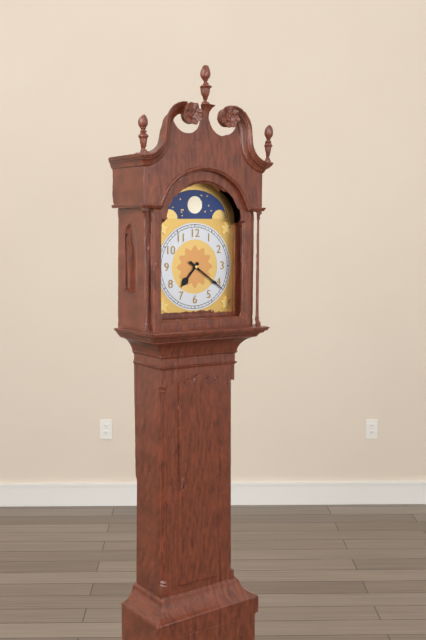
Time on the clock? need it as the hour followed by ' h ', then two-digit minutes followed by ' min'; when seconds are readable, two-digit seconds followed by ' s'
7 h 21 min
